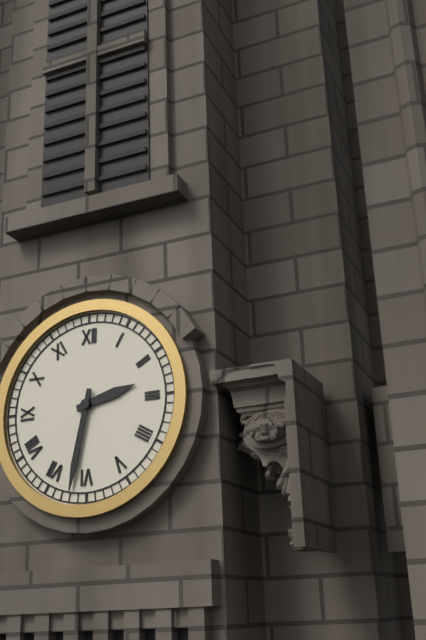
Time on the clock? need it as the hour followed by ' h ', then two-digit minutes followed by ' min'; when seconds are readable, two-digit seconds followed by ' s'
2 h 32 min
